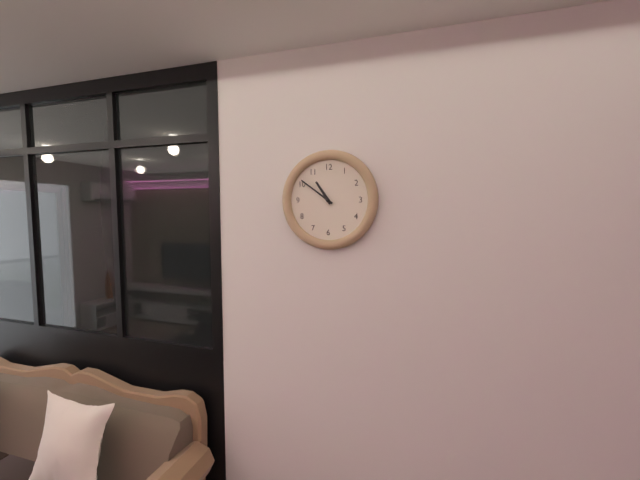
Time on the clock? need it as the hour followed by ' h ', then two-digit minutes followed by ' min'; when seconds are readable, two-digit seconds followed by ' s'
10 h 51 min
